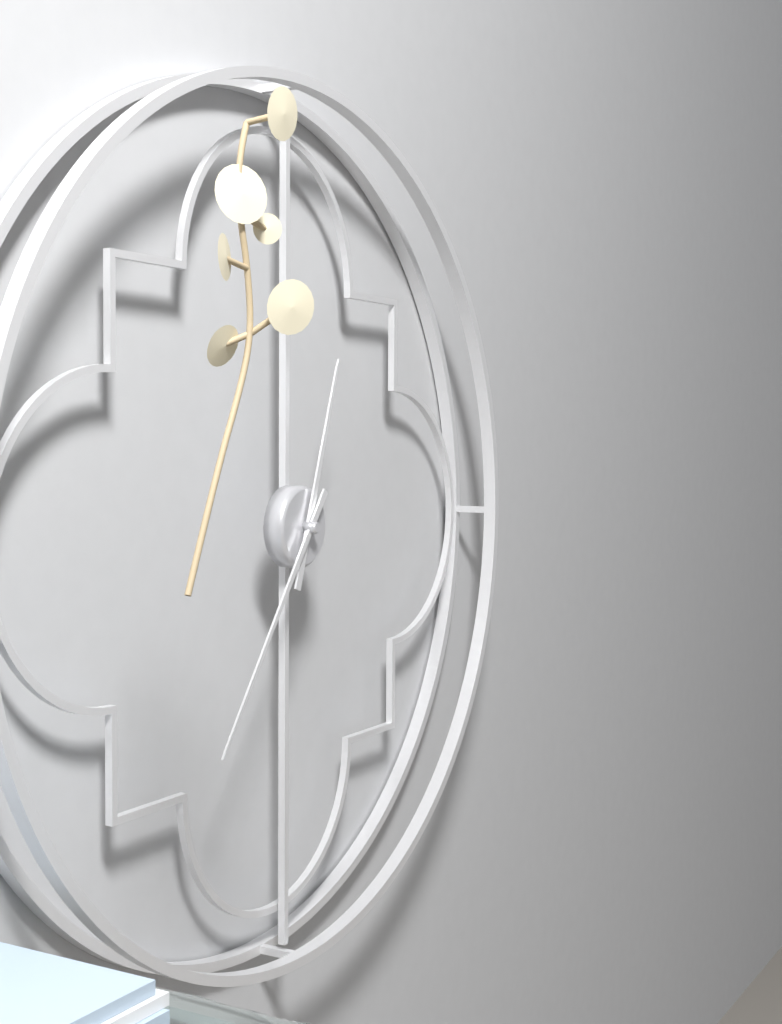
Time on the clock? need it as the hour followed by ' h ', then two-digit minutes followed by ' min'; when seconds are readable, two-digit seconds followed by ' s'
12 h 36 min
